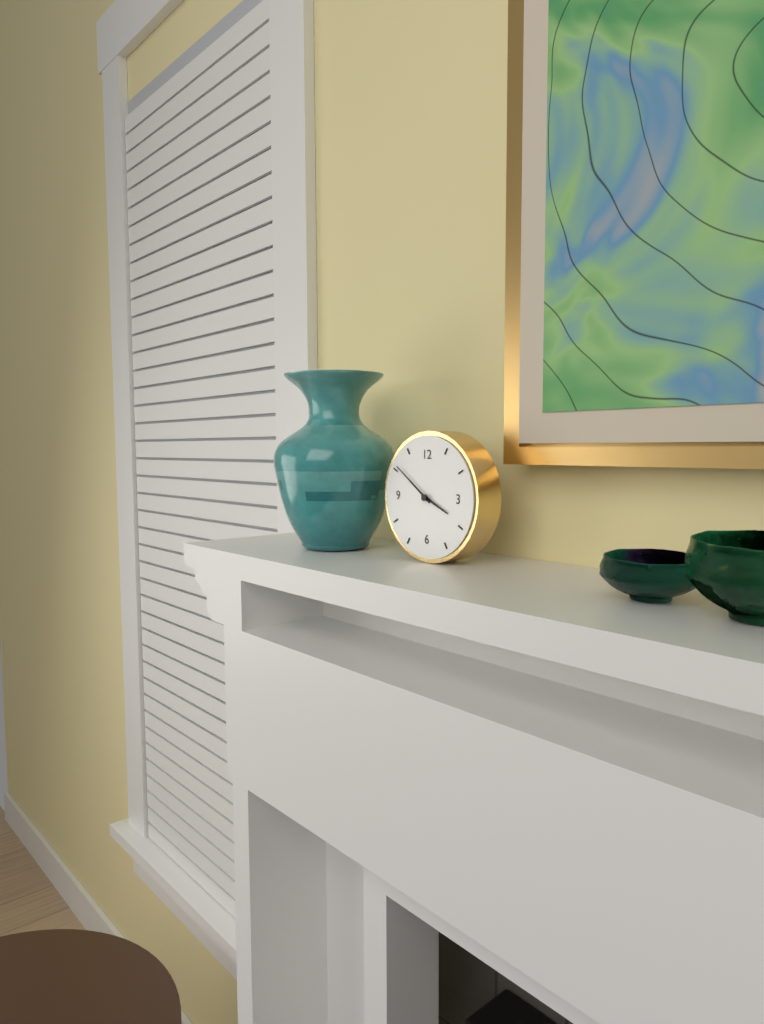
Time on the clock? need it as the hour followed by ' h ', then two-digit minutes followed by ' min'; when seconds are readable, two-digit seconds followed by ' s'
3 h 51 min
